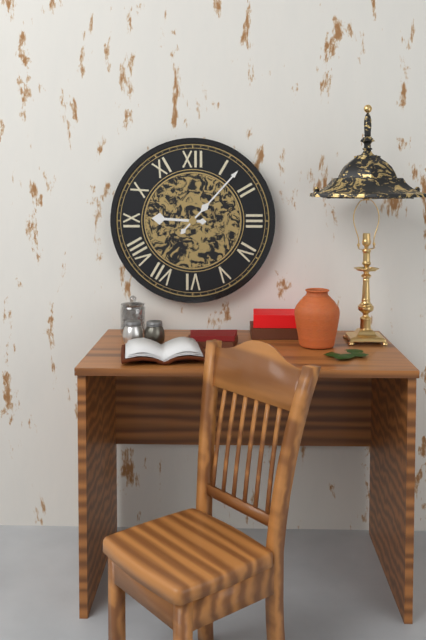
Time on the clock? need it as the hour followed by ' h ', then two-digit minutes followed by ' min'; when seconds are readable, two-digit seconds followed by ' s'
9 h 07 min
